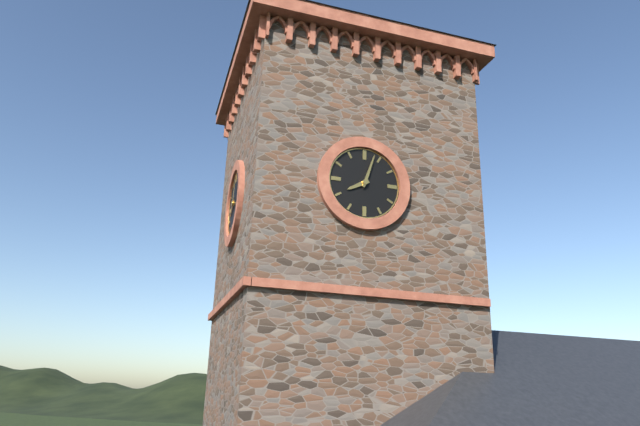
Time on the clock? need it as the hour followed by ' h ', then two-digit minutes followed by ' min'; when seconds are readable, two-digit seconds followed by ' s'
8 h 03 min
